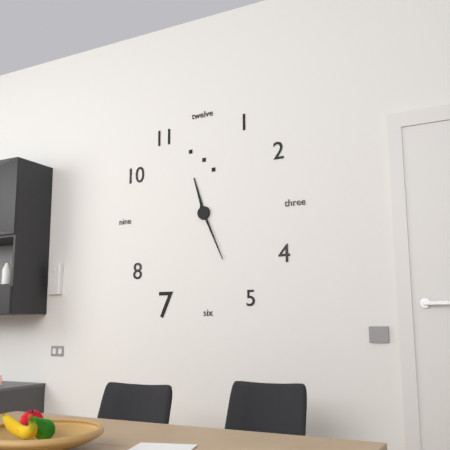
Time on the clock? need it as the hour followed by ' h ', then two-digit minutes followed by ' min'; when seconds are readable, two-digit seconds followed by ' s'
11 h 26 min
